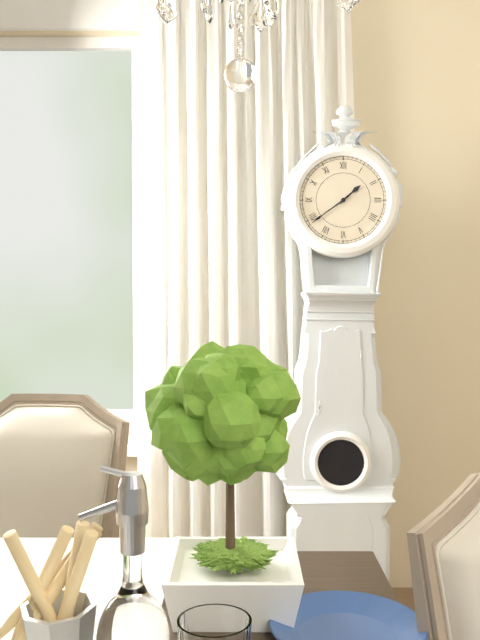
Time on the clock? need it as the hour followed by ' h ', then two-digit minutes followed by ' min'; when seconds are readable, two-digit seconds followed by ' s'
1 h 39 min
